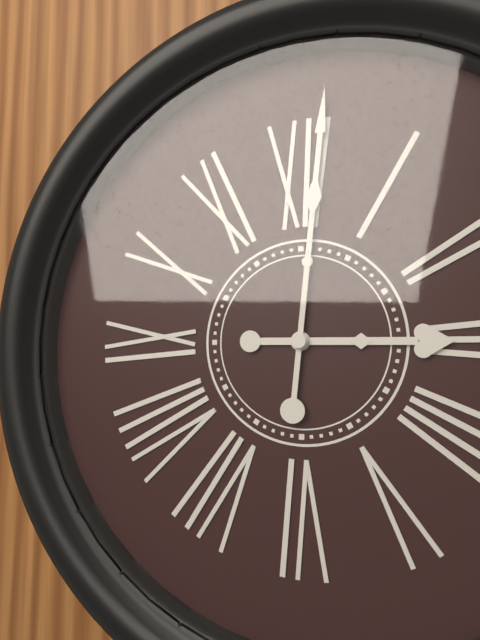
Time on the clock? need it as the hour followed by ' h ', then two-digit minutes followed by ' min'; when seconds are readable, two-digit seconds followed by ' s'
3 h 01 min
